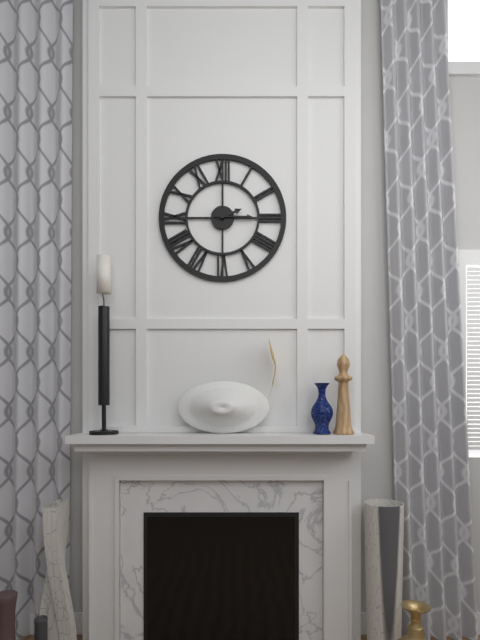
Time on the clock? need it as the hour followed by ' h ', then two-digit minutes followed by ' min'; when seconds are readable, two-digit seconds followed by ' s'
2 h 15 min
